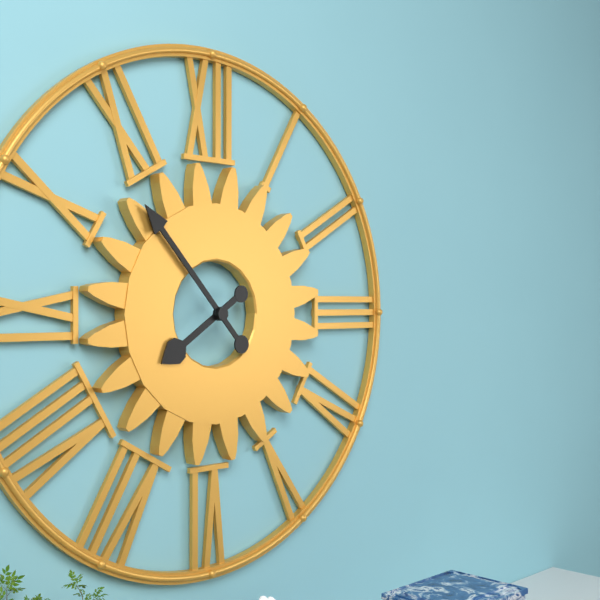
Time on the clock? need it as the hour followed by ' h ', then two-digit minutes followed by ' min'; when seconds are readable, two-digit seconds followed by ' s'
7 h 53 min
